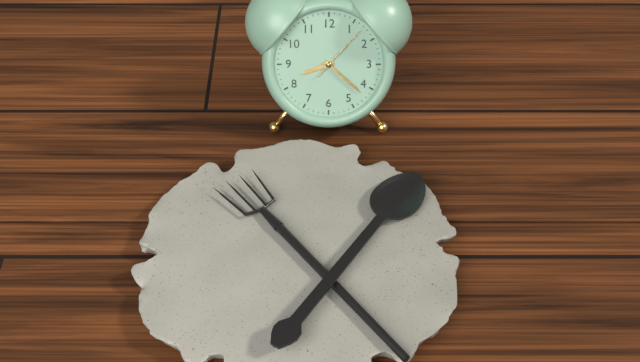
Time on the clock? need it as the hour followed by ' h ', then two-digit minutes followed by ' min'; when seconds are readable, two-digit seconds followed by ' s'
8 h 22 min 07 s
